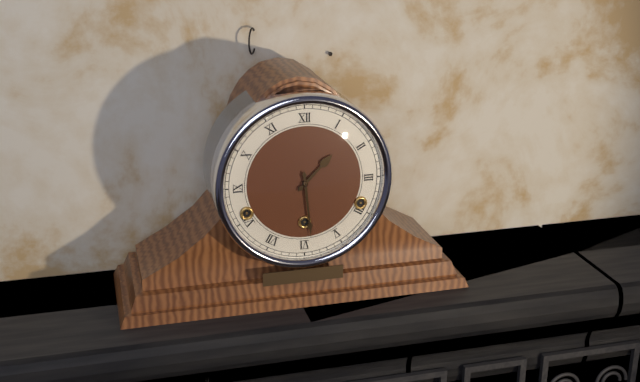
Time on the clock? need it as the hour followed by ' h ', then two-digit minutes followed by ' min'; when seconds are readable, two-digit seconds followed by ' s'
1 h 29 min
